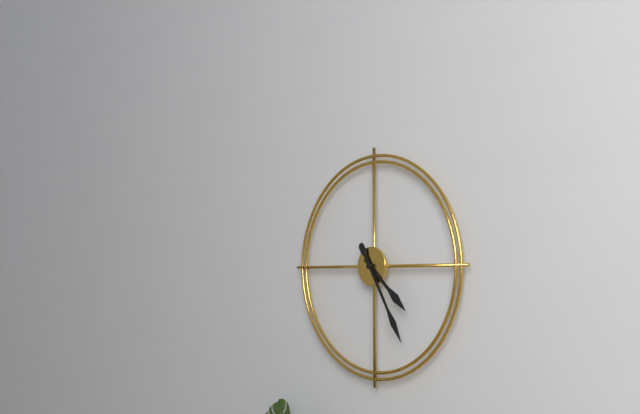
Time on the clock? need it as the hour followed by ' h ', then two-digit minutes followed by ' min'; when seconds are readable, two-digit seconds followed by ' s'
4 h 25 min
